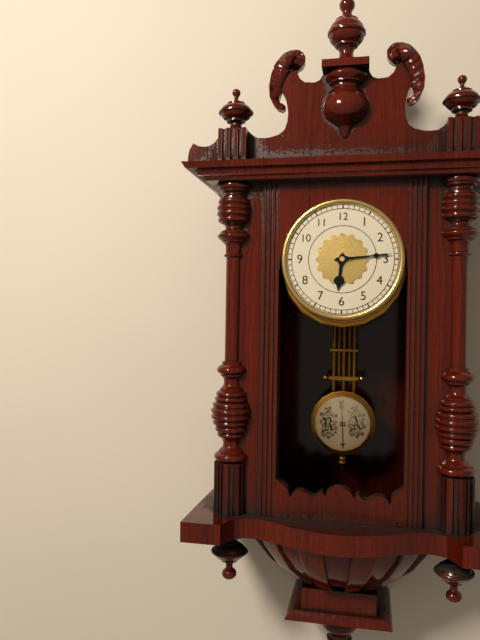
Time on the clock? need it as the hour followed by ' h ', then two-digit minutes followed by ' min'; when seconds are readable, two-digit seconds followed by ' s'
6 h 14 min
